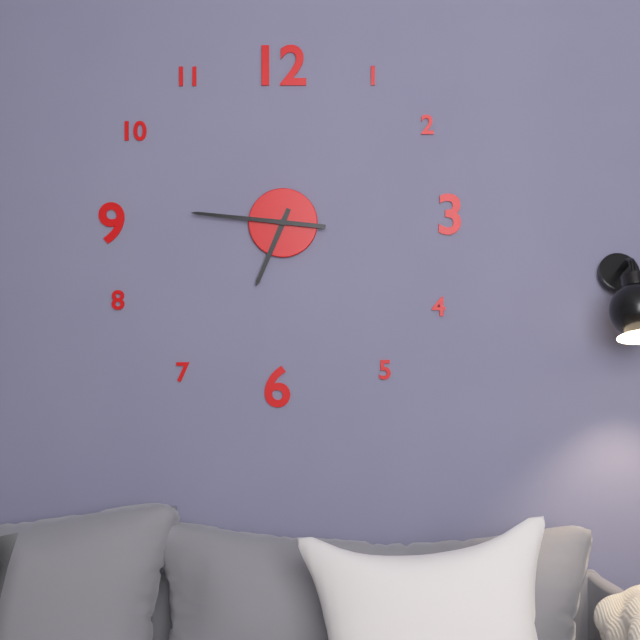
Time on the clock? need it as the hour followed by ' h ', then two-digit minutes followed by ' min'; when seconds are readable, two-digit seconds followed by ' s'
6 h 46 min
